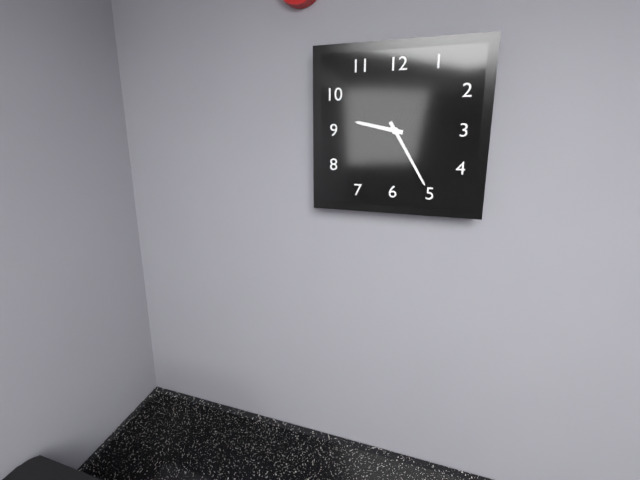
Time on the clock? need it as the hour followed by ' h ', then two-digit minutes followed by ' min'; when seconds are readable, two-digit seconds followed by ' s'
9 h 25 min
